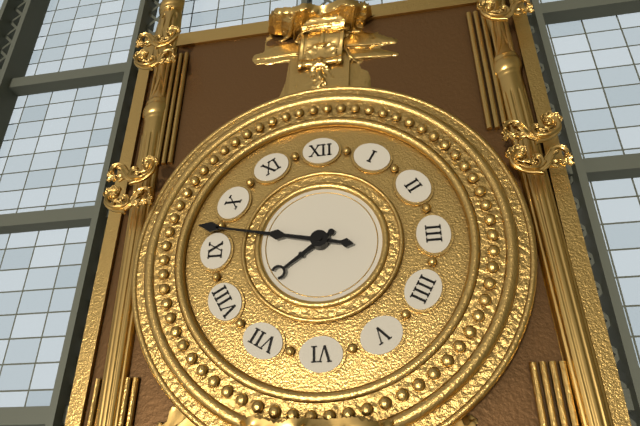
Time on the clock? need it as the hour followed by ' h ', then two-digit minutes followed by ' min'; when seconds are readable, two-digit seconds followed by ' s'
7 h 47 min
